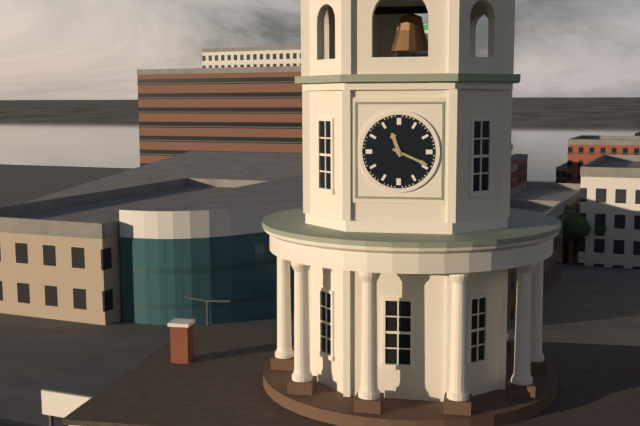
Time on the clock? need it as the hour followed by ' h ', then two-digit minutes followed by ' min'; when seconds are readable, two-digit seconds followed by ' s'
11 h 19 min
